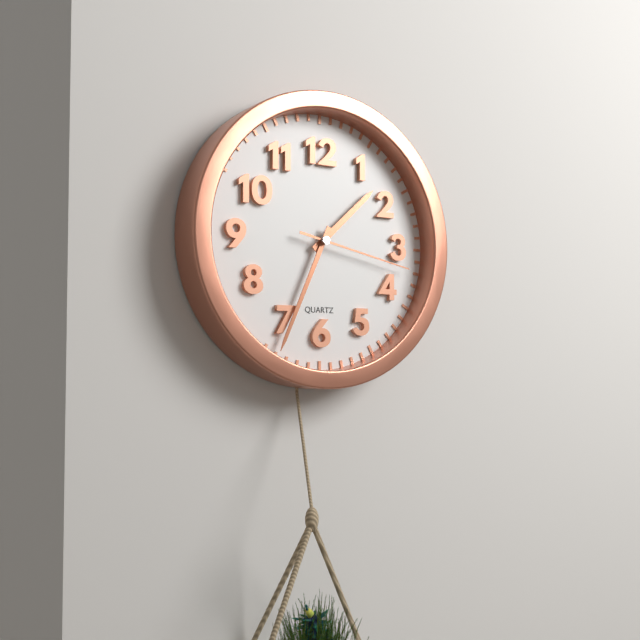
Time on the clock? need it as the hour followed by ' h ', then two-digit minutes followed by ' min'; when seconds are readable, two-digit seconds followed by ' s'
1 h 34 min 17 s
